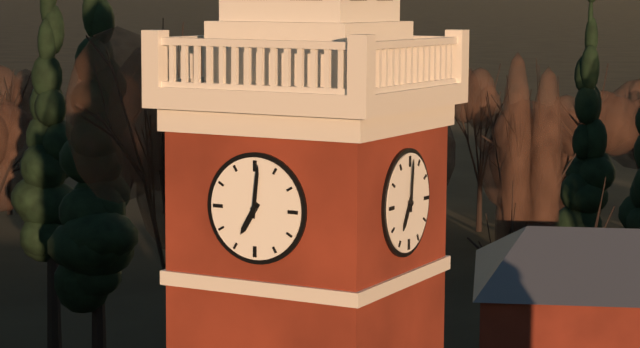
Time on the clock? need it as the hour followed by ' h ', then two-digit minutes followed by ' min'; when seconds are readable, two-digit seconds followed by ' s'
7 h 01 min
